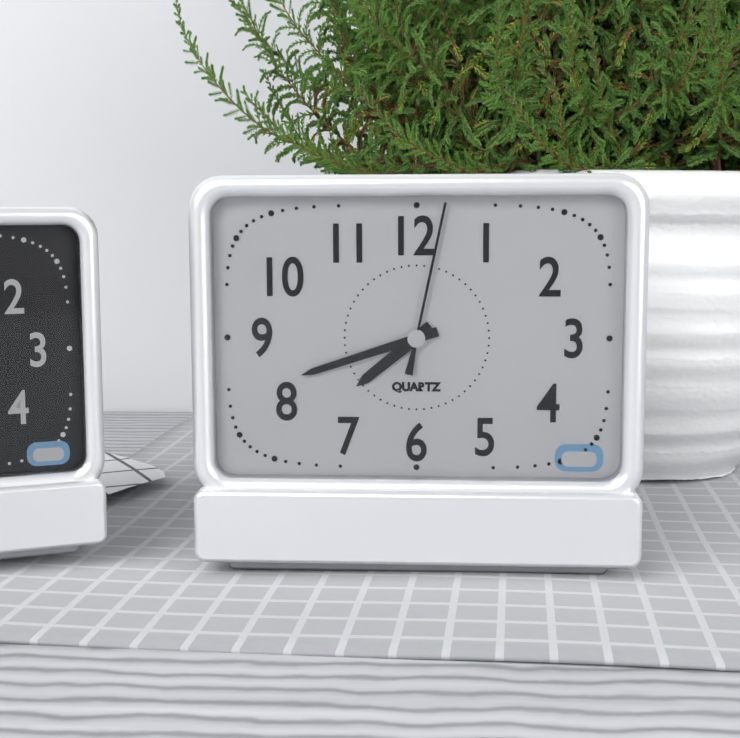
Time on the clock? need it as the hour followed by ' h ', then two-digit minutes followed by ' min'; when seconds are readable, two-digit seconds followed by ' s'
7 h 42 min 02 s
